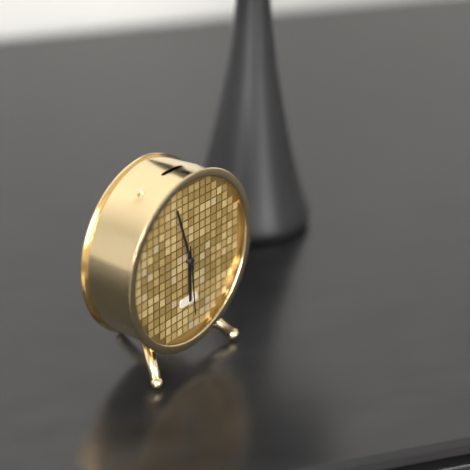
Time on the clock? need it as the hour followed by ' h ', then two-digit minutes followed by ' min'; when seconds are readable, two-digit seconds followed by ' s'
5 h 57 min 29 s
